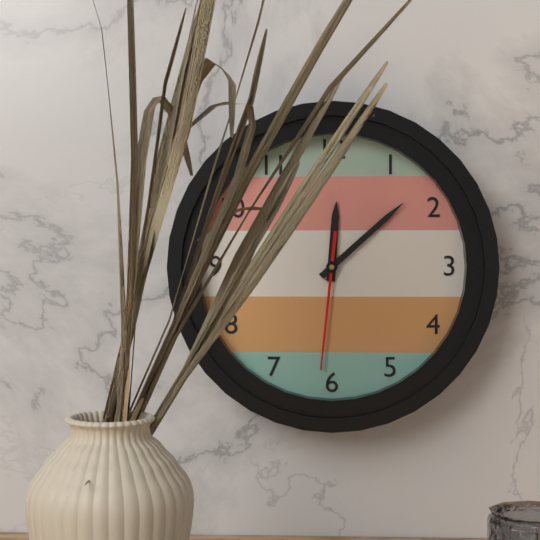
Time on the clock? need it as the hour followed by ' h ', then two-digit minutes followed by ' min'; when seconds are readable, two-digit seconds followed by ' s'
12 h 08 min 31 s
